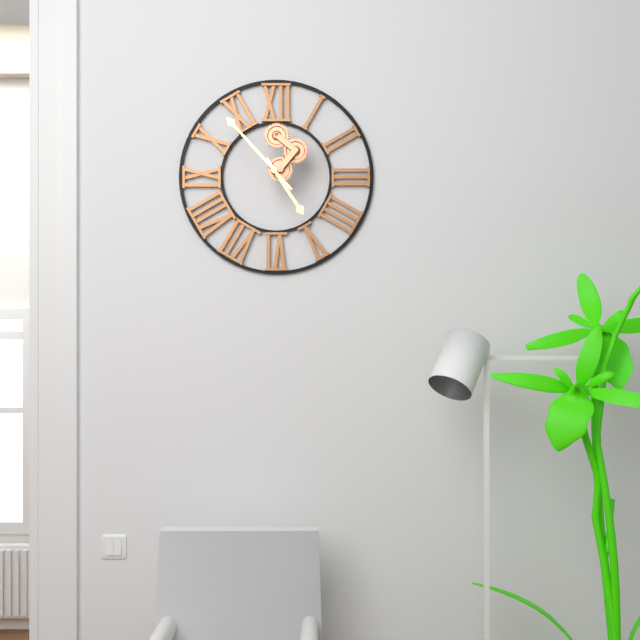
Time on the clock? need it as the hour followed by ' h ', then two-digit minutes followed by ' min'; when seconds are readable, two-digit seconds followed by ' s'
4 h 53 min
